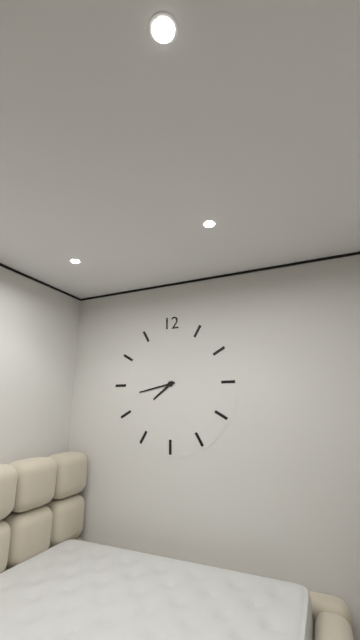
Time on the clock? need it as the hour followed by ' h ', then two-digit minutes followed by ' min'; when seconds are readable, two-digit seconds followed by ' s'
7 h 43 min
